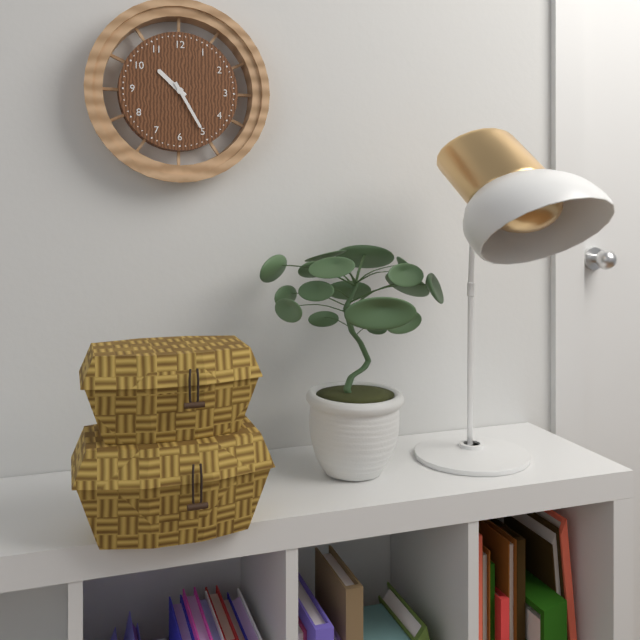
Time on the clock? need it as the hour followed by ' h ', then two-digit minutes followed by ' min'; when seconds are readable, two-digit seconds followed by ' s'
10 h 25 min
